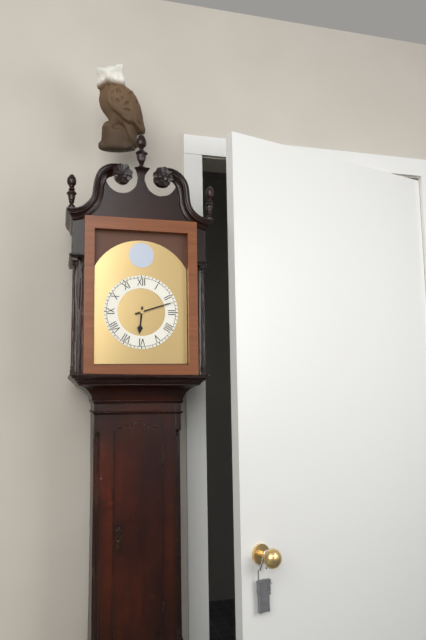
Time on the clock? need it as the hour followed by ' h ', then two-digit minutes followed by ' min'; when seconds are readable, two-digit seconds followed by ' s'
6 h 12 min
